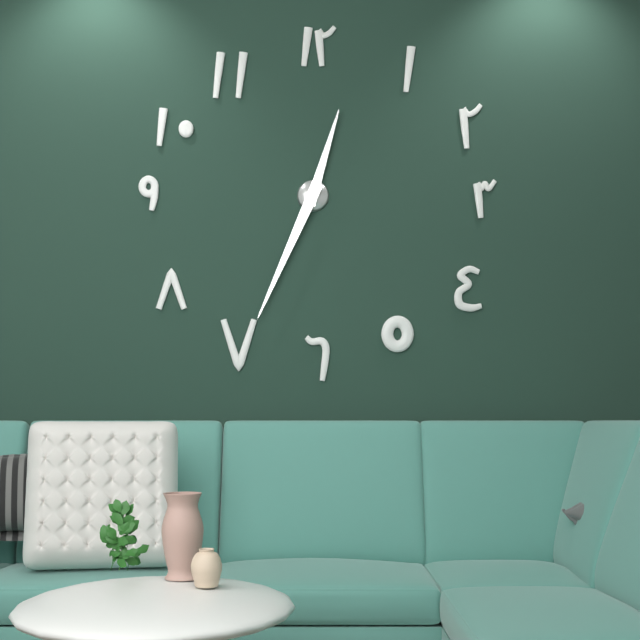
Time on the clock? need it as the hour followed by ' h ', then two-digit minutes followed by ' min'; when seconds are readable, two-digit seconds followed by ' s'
12 h 34 min
